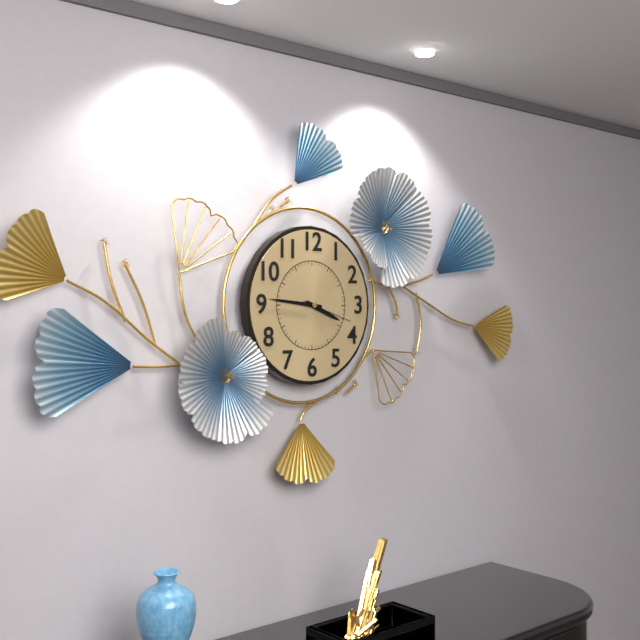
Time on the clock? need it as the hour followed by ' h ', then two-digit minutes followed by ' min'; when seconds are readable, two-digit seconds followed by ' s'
3 h 46 min
